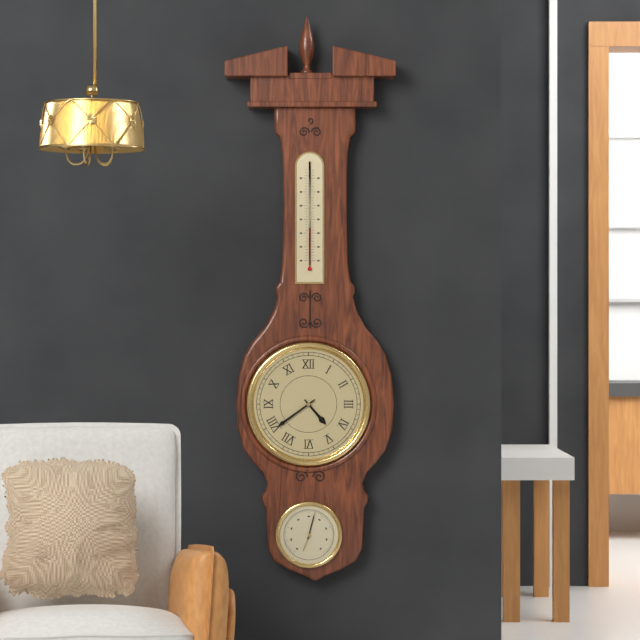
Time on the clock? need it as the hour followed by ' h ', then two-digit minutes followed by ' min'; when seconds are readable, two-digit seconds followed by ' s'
4 h 39 min
